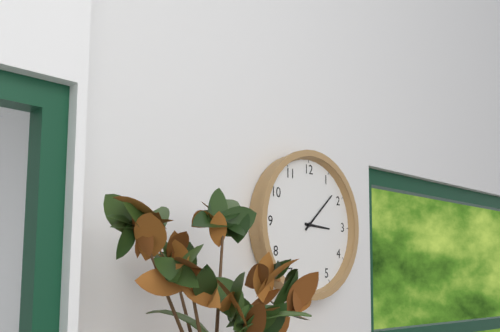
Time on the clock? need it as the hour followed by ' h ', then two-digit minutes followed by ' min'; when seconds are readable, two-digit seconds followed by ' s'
3 h 08 min
